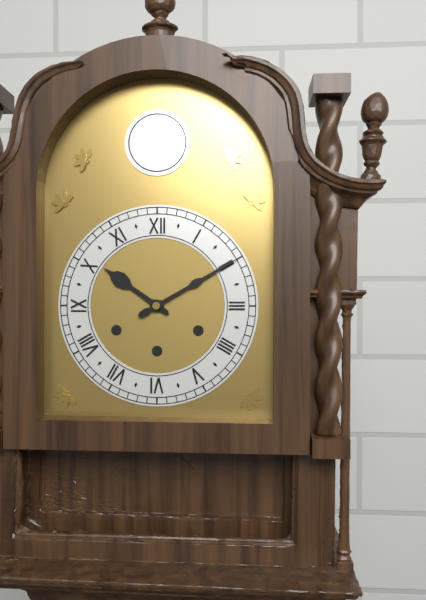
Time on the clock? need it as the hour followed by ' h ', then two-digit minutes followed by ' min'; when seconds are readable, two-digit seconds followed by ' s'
10 h 10 min
